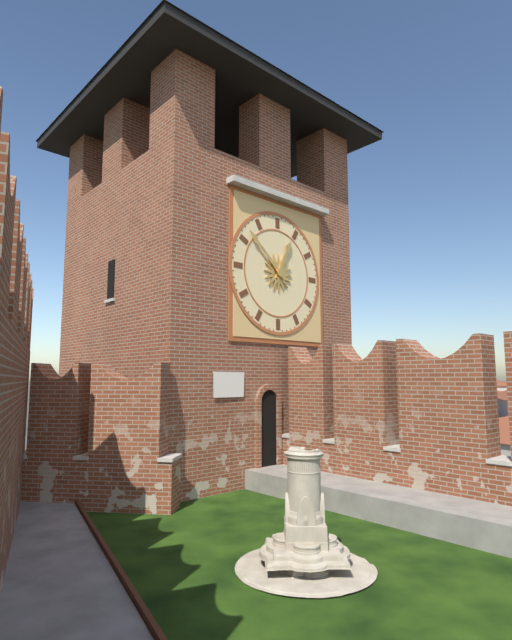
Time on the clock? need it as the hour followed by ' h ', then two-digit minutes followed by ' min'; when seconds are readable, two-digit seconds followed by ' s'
12 h 52 min
